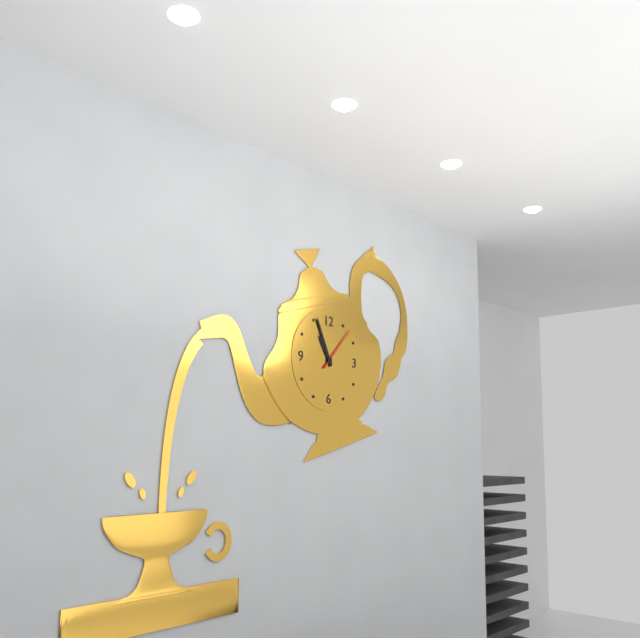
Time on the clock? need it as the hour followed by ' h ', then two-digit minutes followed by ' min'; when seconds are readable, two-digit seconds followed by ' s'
10 h 56 min
